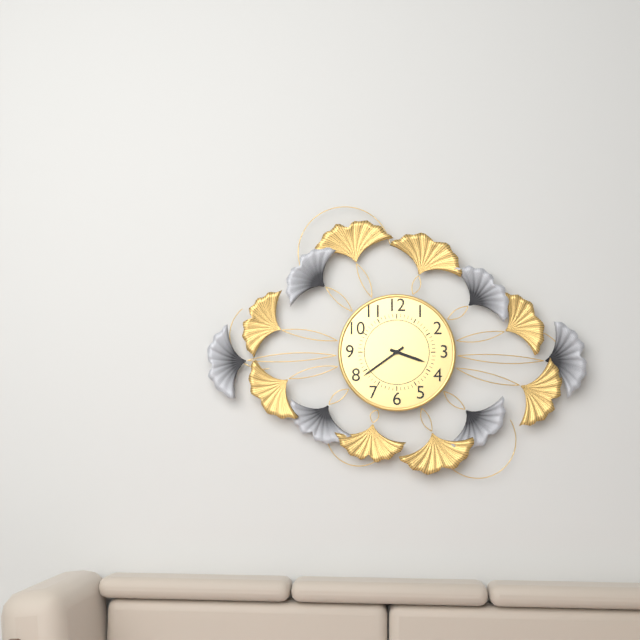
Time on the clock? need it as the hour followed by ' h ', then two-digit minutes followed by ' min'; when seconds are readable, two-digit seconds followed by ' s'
3 h 39 min
